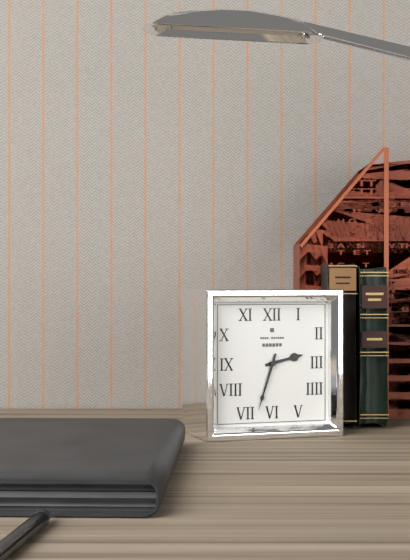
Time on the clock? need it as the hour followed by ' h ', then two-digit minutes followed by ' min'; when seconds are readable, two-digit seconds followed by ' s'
2 h 33 min
